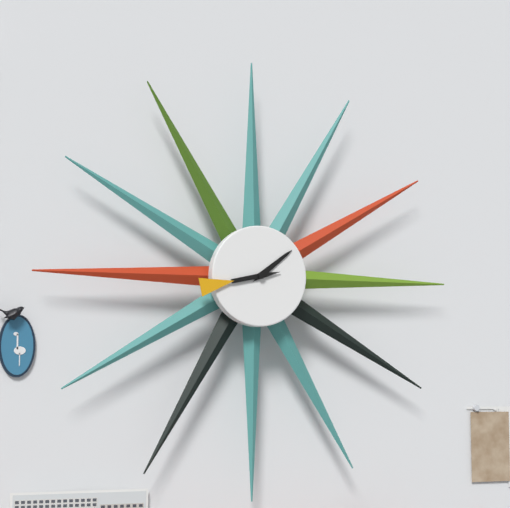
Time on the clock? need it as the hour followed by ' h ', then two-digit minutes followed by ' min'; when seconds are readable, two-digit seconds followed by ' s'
1 h 43 min
